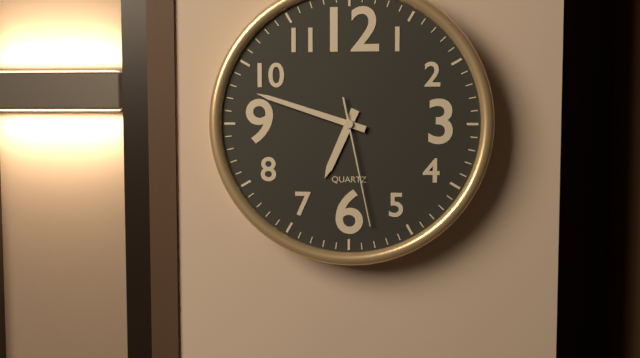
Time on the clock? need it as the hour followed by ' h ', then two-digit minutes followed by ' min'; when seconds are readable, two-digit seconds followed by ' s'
6 h 48 min 28 s
